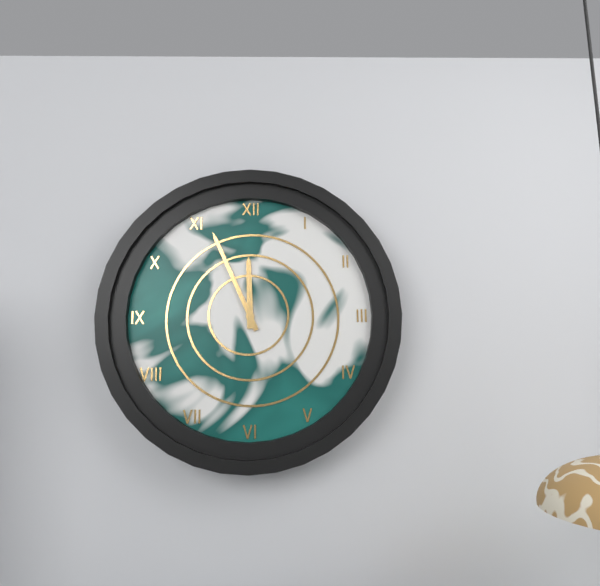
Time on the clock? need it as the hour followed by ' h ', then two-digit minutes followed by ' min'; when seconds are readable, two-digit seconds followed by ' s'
11 h 56 min
